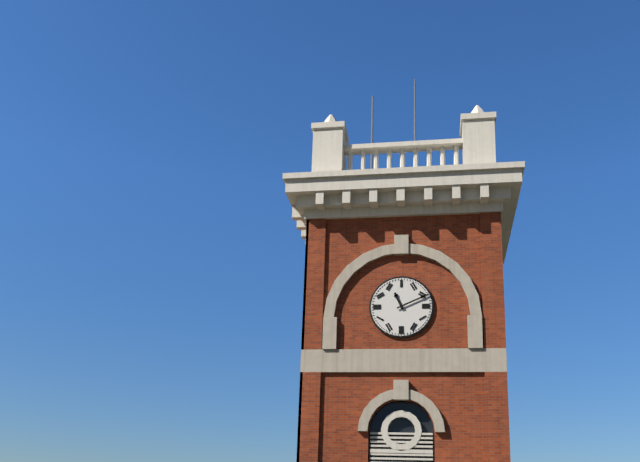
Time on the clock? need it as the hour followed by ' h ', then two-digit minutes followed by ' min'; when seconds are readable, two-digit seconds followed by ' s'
11 h 11 min
